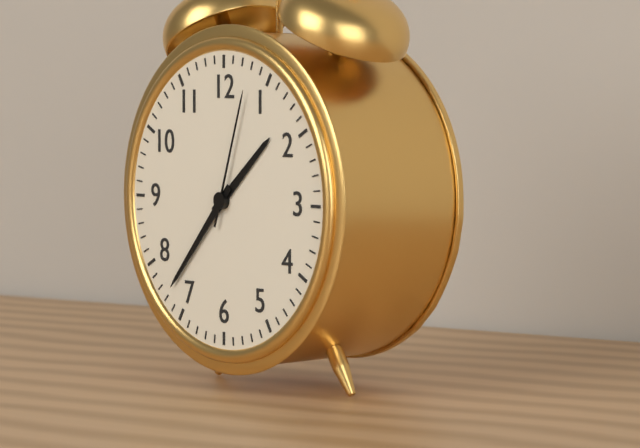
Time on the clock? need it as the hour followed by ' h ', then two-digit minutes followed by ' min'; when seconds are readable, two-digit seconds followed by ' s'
1 h 37 min 03 s
